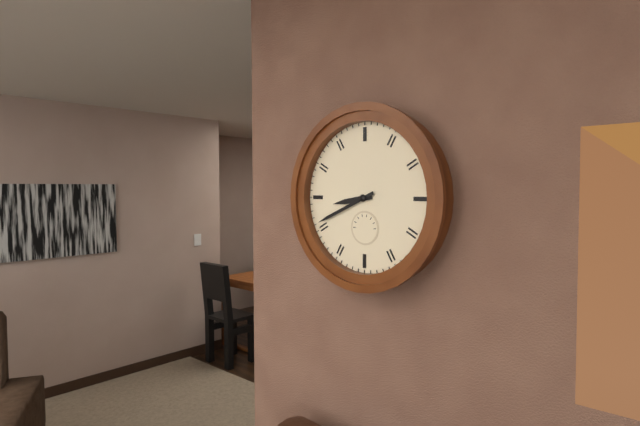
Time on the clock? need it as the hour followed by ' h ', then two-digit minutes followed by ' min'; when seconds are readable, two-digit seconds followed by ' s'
8 h 41 min
